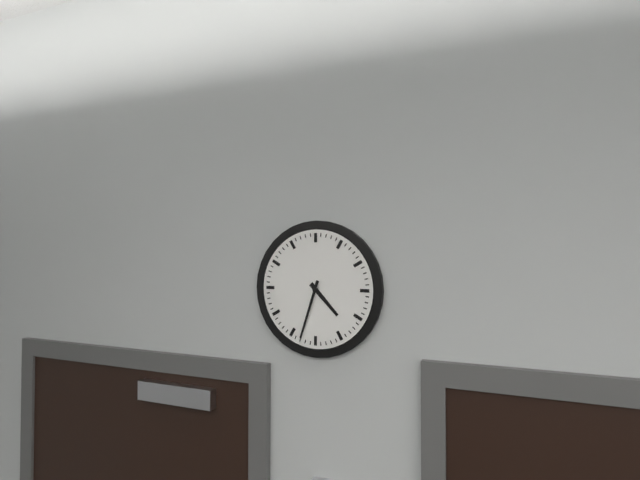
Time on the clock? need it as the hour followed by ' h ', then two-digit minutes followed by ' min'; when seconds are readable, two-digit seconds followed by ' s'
4 h 33 min
